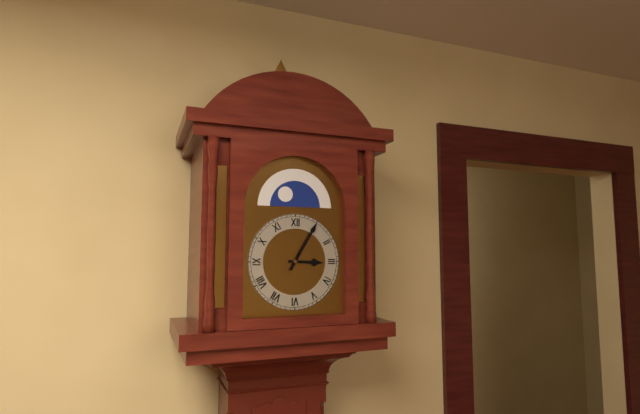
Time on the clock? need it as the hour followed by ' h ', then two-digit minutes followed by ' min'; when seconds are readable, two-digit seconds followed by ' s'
3 h 05 min
